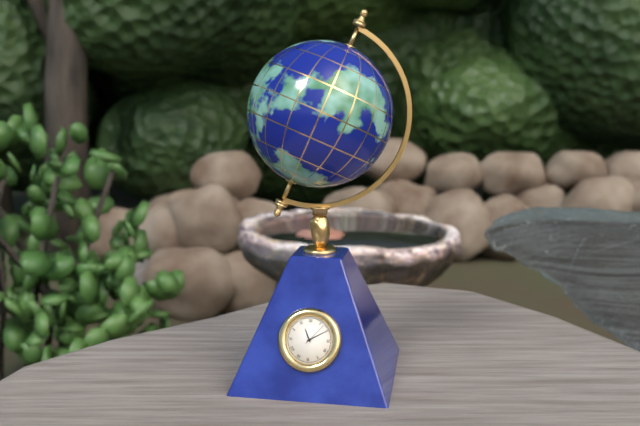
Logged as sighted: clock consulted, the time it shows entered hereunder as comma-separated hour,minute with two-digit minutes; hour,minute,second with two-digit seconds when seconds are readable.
11,10
